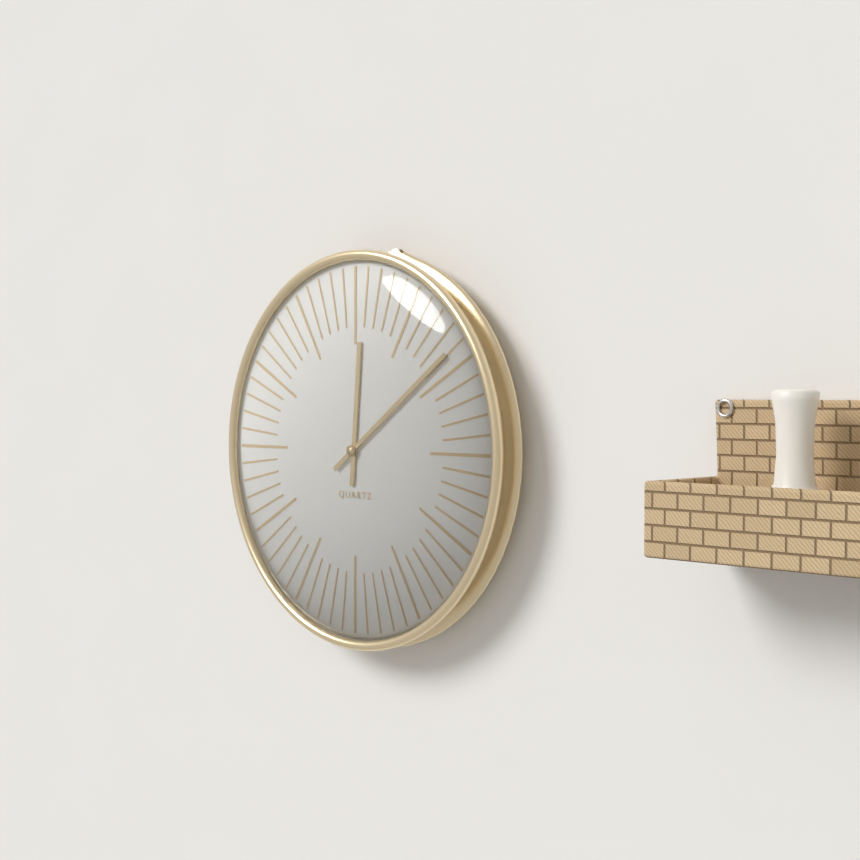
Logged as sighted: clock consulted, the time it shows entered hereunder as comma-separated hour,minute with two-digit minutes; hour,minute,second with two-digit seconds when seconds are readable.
12,09
